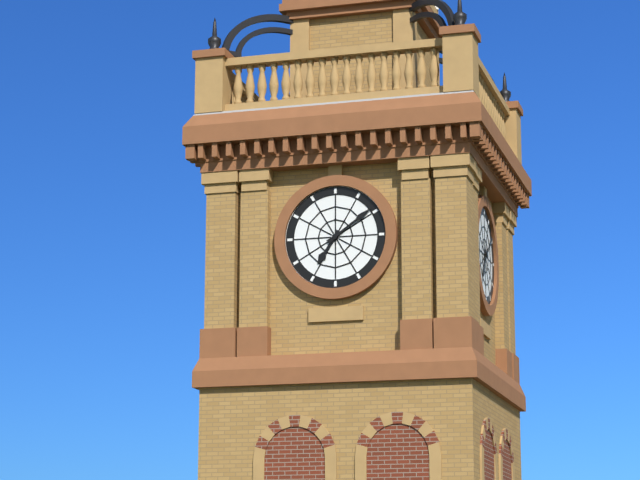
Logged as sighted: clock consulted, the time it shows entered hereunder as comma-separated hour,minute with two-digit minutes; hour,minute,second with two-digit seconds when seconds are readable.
7,09
